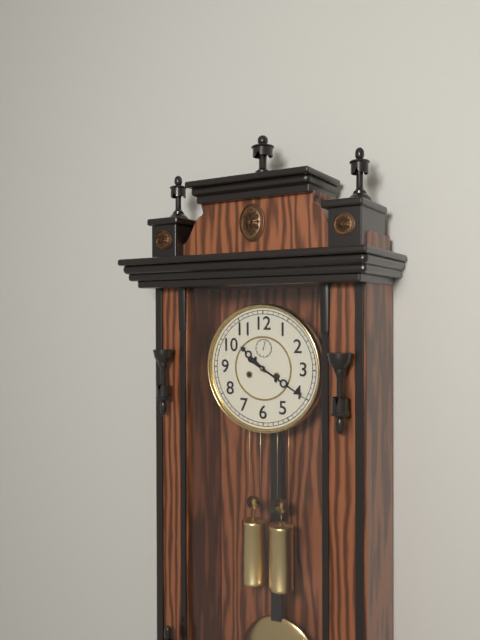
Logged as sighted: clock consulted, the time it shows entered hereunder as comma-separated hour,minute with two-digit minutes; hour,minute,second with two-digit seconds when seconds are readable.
10,20
